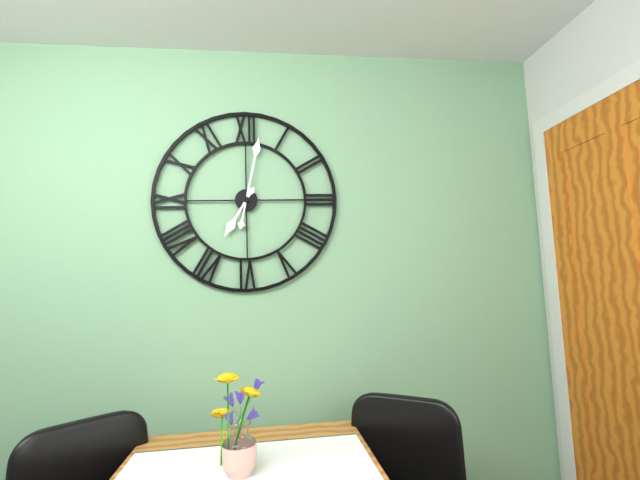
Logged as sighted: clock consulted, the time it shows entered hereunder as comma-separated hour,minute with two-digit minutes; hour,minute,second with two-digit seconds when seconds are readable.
7,02
